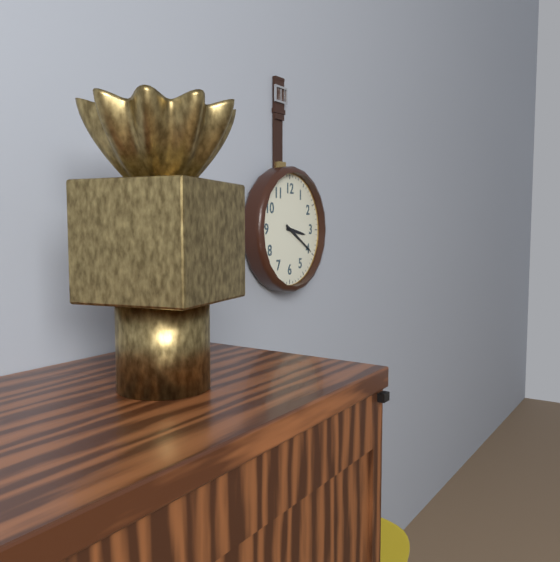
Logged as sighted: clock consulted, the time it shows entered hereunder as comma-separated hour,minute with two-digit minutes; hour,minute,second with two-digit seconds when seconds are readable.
3,20
